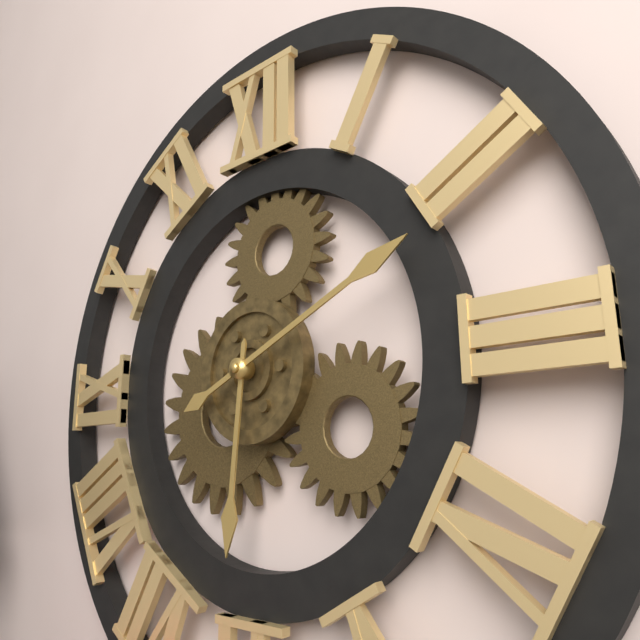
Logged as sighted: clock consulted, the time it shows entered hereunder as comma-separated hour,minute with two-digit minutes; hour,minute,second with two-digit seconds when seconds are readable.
6,11
